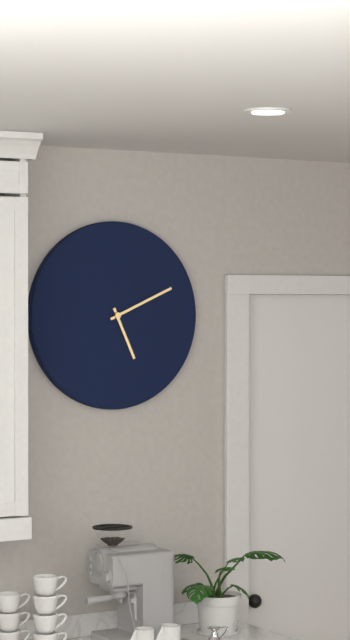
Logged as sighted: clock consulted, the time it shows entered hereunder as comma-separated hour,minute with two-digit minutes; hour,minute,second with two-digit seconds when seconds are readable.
5,11
